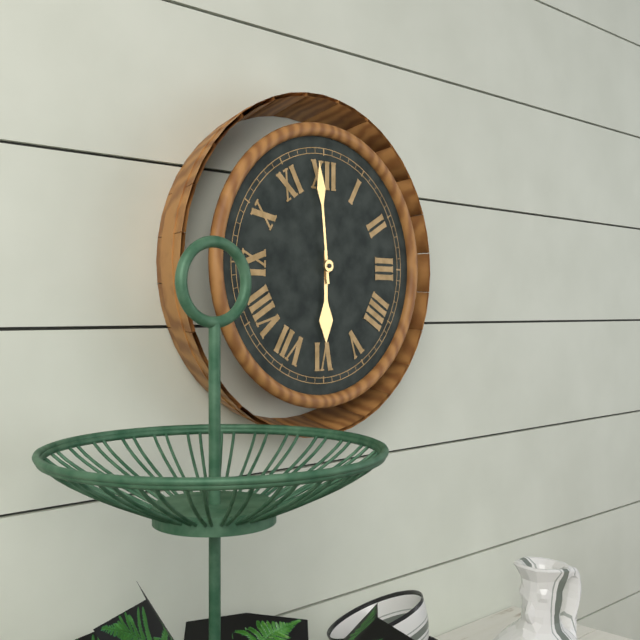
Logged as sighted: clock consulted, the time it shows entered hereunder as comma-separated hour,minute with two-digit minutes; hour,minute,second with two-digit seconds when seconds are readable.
5,59
